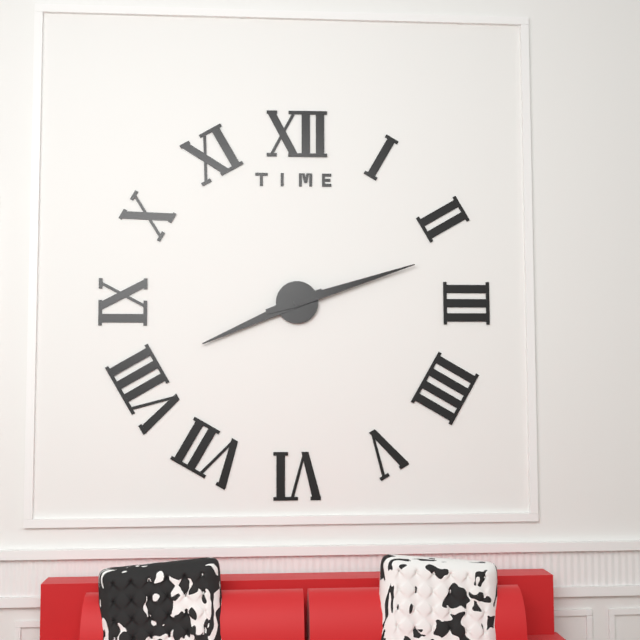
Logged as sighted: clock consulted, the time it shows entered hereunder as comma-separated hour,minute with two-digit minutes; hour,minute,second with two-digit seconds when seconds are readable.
8,12
